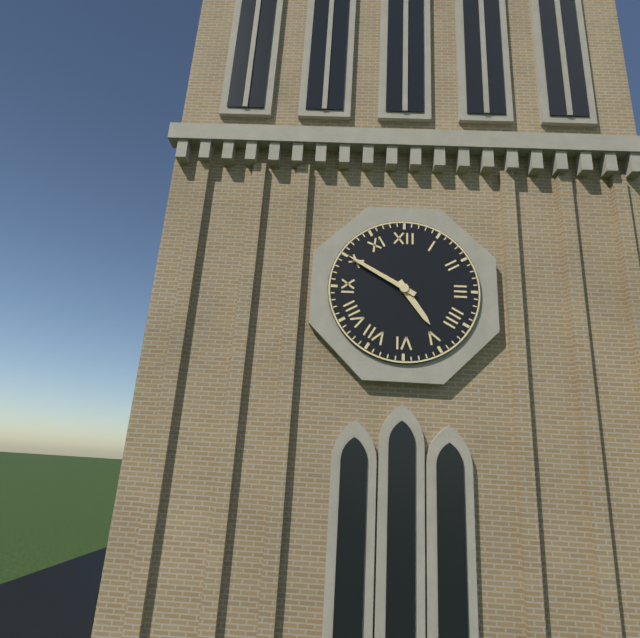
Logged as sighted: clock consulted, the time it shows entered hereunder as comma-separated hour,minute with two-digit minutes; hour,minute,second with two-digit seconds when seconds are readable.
4,50
